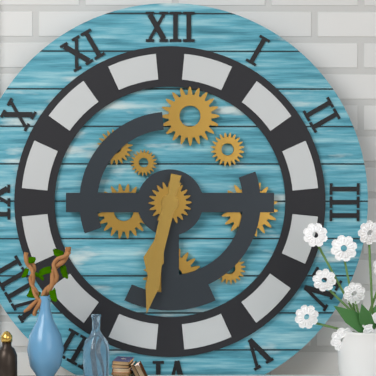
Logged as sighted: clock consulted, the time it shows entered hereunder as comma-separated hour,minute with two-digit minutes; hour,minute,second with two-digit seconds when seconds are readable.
6,32
